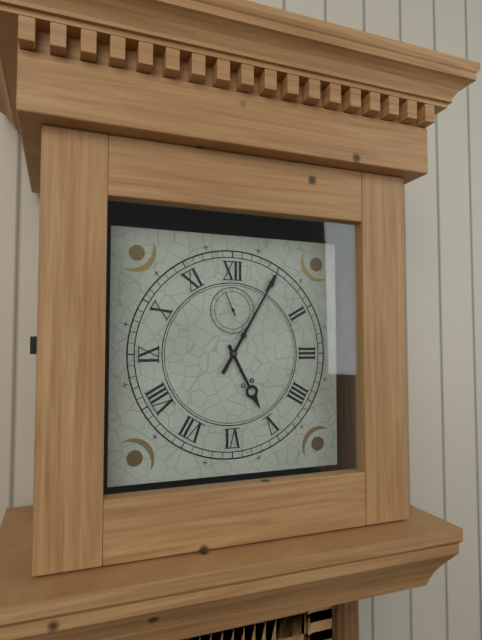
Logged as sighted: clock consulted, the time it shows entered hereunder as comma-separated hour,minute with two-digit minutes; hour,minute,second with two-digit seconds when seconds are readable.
5,05
